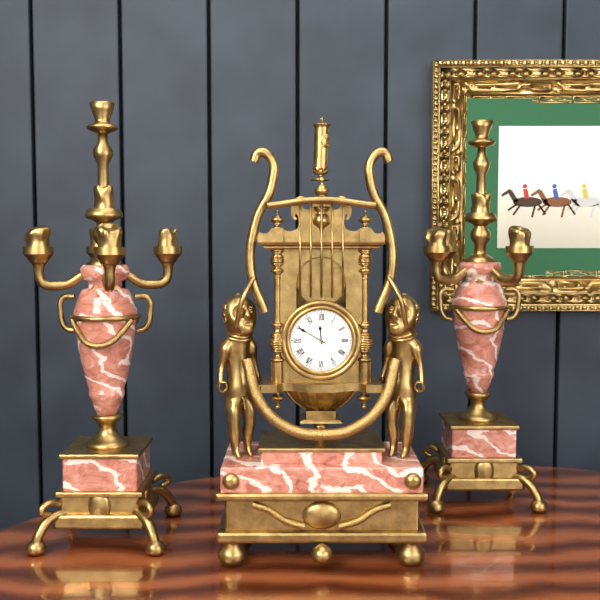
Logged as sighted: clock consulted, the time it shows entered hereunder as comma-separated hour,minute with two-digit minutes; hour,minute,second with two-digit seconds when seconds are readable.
11,50
